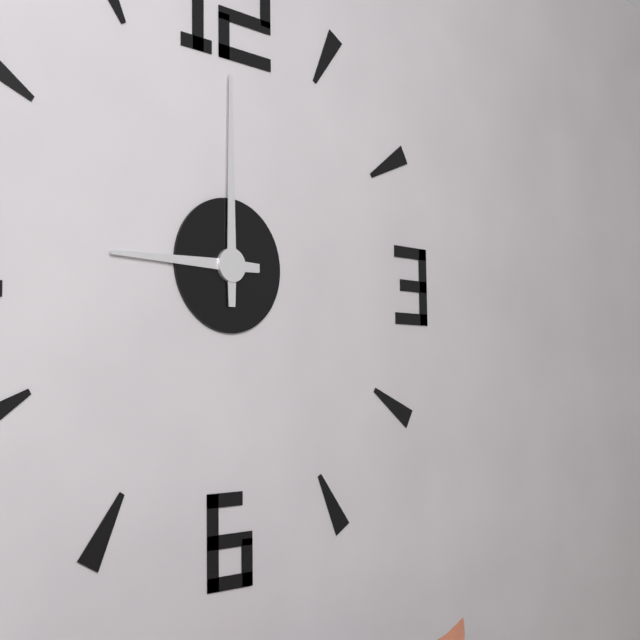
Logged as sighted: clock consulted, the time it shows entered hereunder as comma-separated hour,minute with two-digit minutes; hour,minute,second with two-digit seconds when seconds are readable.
9,00
